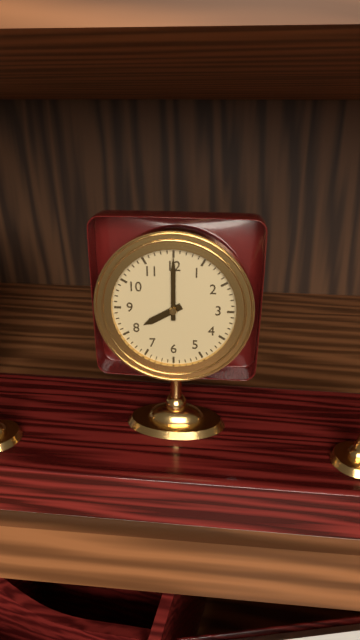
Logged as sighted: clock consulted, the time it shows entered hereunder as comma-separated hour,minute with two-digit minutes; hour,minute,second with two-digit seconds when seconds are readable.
8,00
